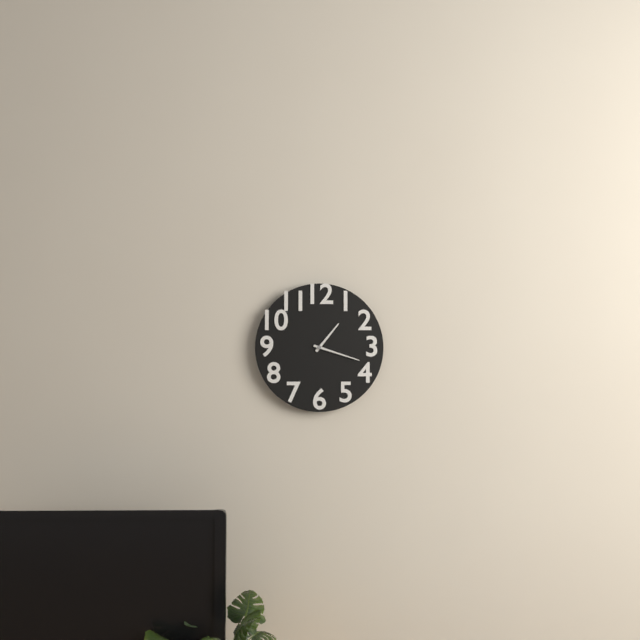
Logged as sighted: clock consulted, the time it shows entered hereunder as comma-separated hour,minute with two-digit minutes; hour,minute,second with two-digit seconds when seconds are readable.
1,18
